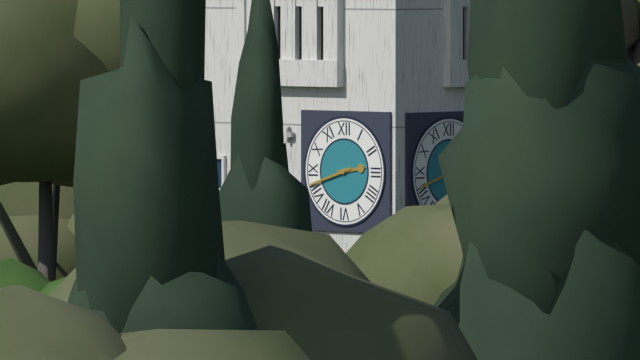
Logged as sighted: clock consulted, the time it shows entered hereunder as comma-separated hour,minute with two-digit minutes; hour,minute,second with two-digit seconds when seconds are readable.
2,42
